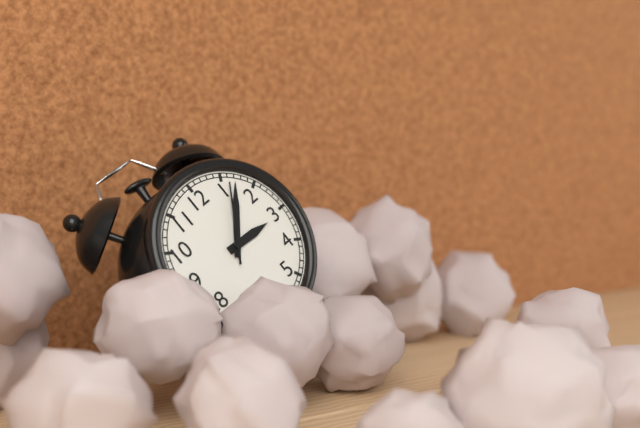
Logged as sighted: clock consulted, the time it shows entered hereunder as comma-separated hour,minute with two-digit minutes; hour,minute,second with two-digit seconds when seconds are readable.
3,07,06
